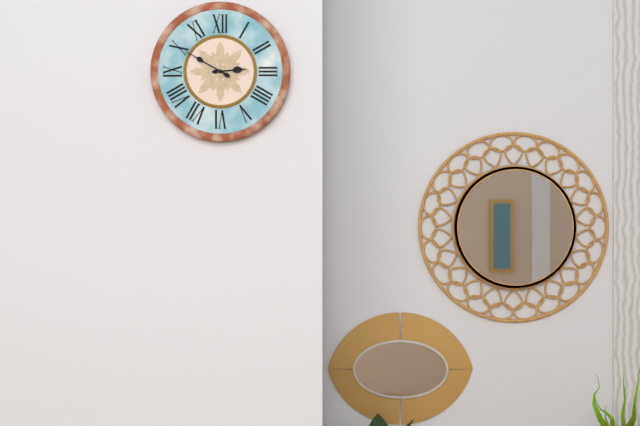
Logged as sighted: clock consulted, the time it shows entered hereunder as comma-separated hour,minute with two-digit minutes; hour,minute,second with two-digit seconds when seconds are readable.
2,50
